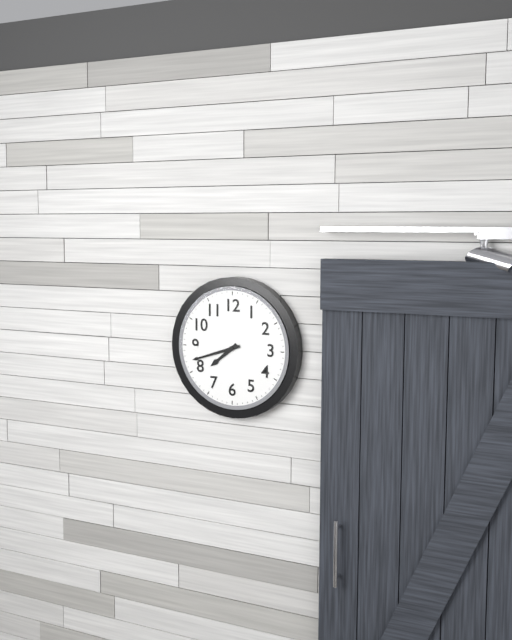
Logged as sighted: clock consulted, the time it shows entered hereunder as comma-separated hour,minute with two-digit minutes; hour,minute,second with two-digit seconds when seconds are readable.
7,42
